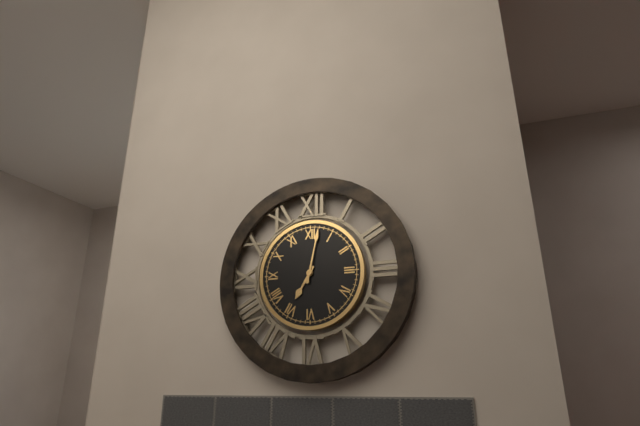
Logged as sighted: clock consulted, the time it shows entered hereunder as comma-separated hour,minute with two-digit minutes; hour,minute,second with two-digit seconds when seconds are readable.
7,02
